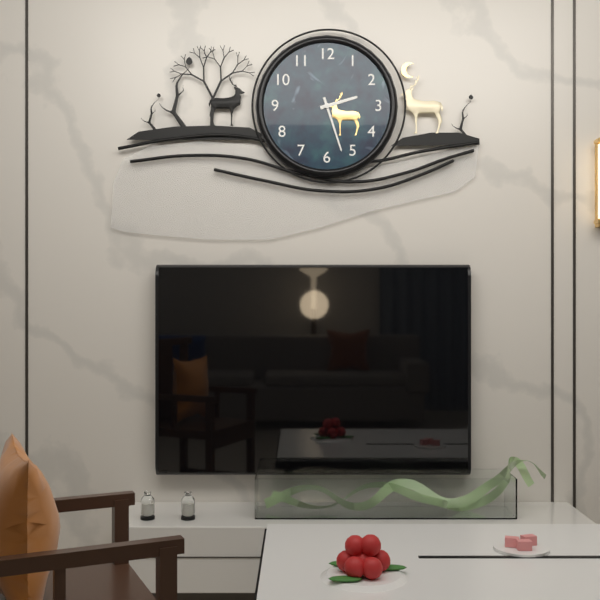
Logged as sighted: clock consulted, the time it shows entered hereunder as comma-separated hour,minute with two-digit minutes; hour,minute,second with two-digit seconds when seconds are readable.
2,27
